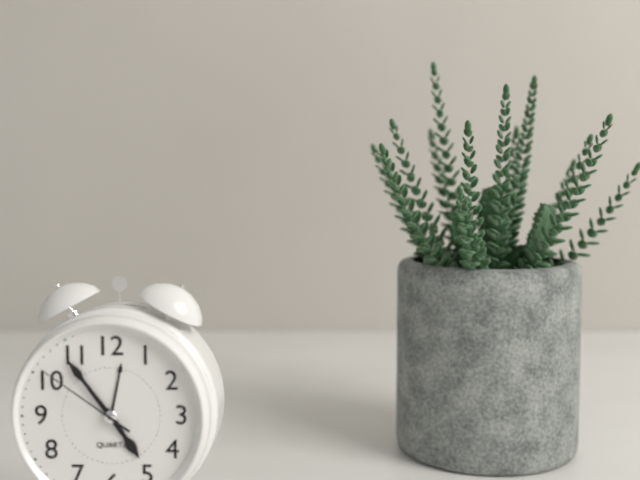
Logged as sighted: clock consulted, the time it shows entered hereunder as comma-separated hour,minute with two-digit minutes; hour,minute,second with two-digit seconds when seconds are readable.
4,54,51
